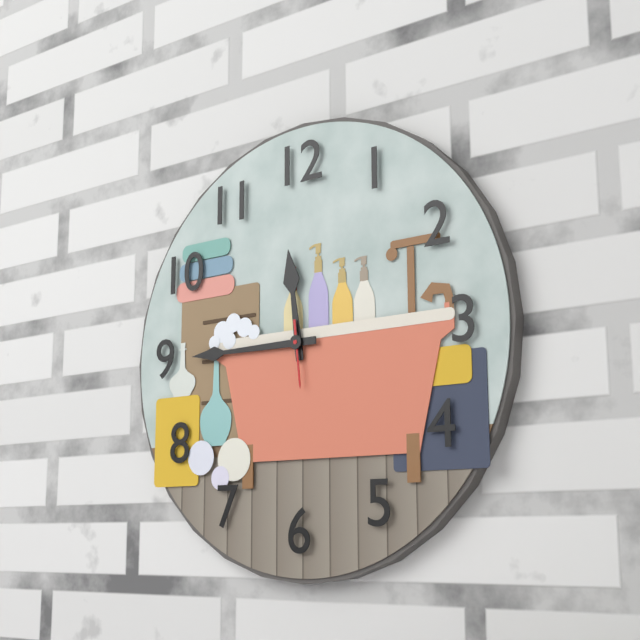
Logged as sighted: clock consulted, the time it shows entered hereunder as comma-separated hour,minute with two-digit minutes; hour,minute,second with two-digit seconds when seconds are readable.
11,45,29
